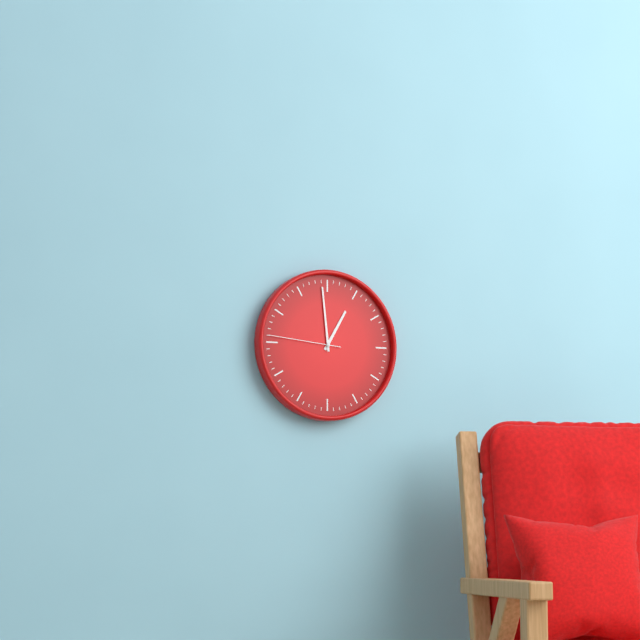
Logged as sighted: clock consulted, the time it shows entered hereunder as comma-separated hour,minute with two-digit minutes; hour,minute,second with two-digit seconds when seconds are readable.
12,59,46
